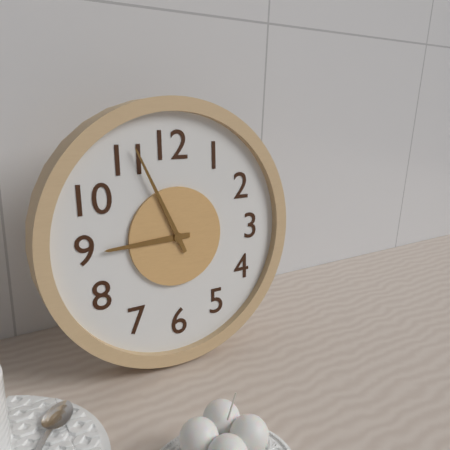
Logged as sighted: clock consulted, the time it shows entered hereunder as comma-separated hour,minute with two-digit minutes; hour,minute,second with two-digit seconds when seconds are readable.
8,56
